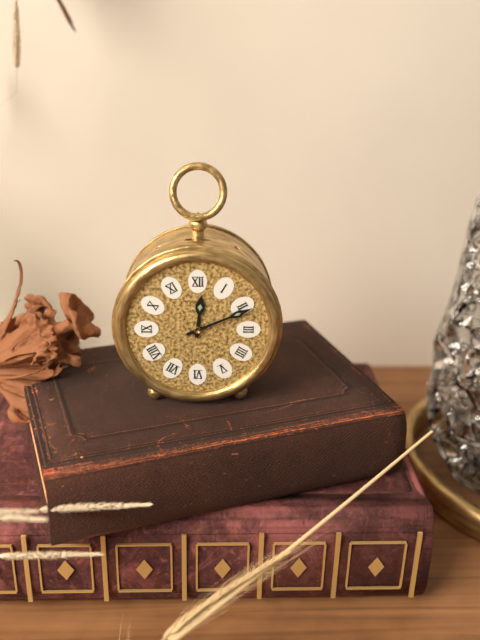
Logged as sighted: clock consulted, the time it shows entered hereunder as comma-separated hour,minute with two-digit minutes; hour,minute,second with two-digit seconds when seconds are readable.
12,11
